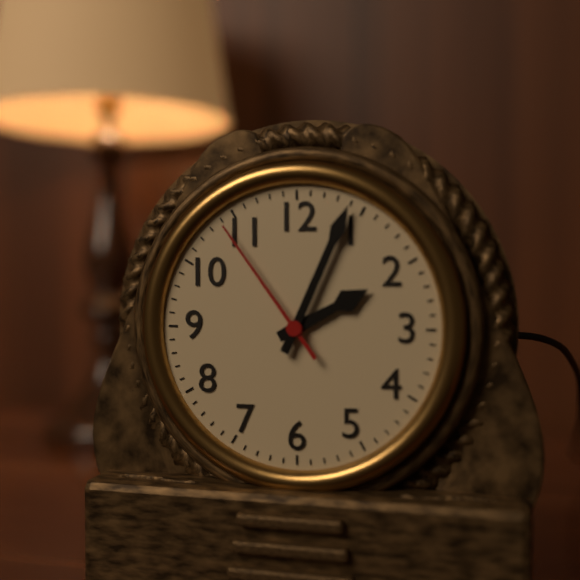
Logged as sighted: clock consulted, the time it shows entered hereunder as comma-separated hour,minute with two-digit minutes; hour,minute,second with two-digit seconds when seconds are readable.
2,04,54
